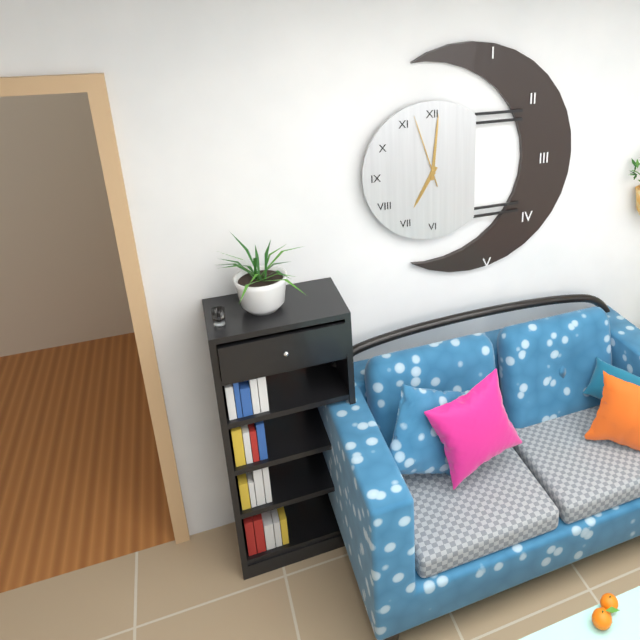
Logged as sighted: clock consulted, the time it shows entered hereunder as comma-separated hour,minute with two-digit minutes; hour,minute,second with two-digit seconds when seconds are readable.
7,01,57
